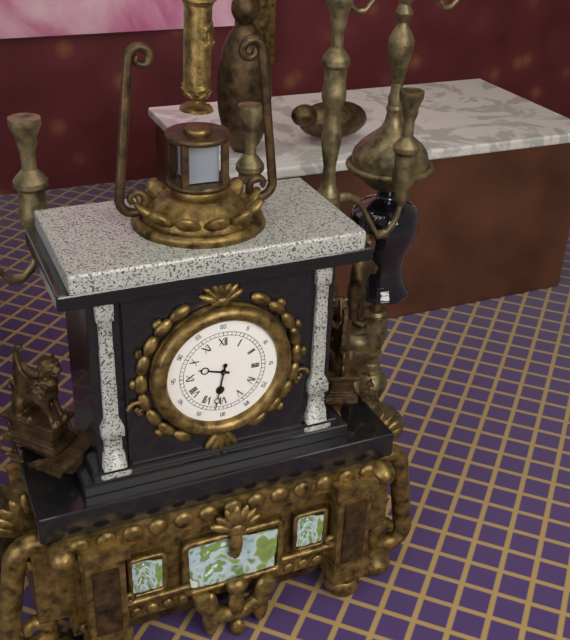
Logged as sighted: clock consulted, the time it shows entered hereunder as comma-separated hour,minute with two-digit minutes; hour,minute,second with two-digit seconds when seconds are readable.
9,32
